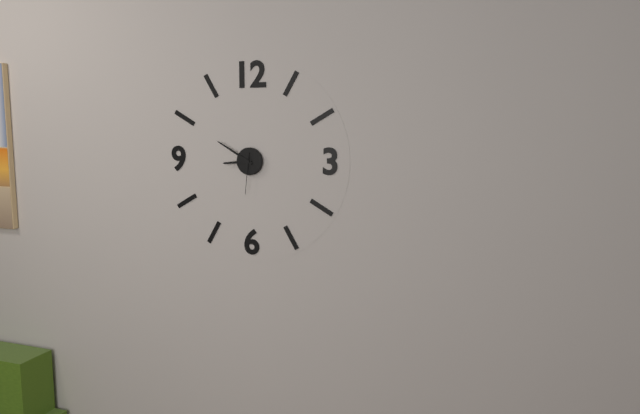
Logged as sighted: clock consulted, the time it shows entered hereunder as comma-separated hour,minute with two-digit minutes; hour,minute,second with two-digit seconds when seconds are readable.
8,50
